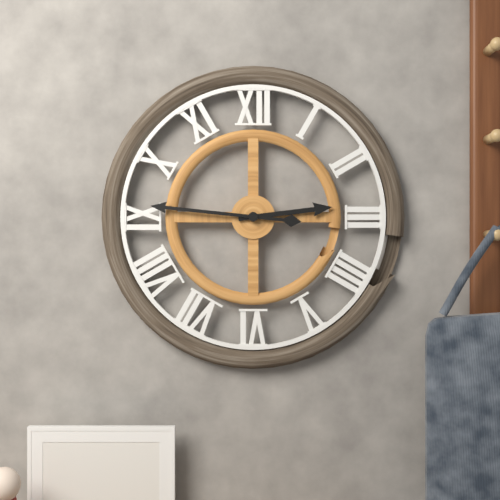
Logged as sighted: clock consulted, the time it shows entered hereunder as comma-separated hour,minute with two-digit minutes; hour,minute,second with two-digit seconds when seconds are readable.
2,46
